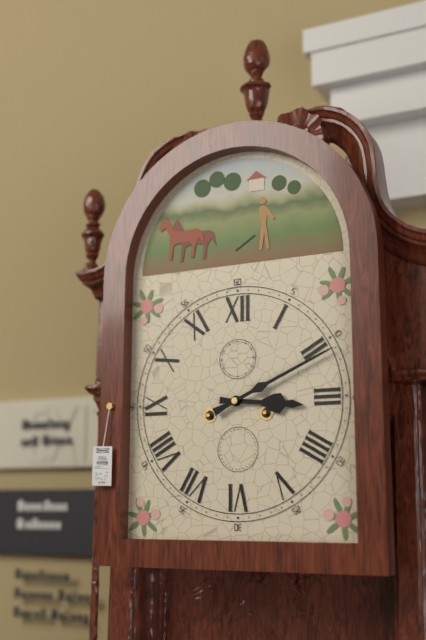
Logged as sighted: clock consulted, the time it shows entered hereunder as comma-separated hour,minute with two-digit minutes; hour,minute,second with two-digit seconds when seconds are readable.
3,11
